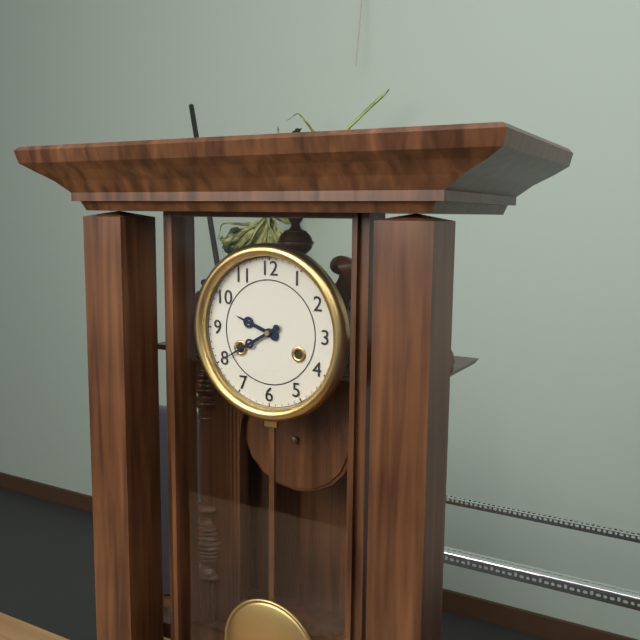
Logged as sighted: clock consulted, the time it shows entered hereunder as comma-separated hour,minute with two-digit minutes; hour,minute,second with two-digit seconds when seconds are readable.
9,40
